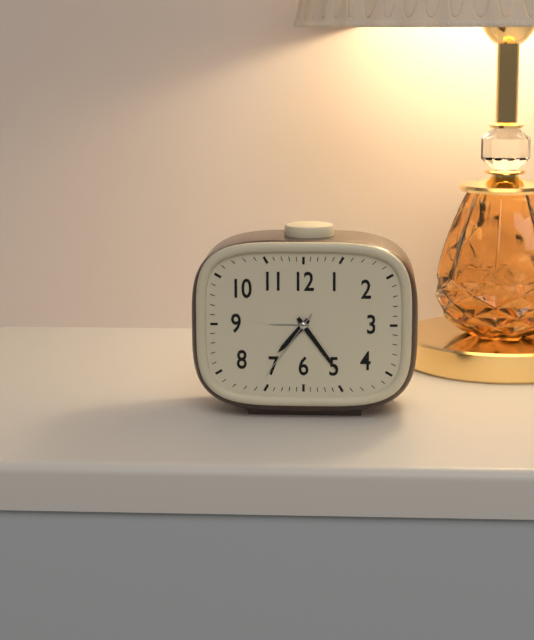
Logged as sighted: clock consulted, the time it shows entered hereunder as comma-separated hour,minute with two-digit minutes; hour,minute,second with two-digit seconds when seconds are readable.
7,24,36
